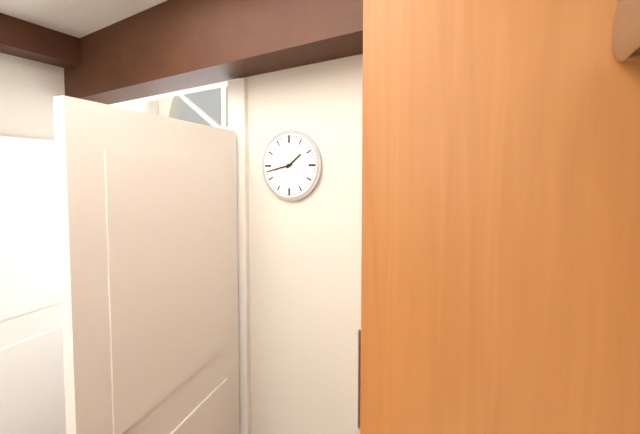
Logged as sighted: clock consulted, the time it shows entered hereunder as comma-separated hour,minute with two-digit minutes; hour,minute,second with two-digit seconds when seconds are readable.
1,43
